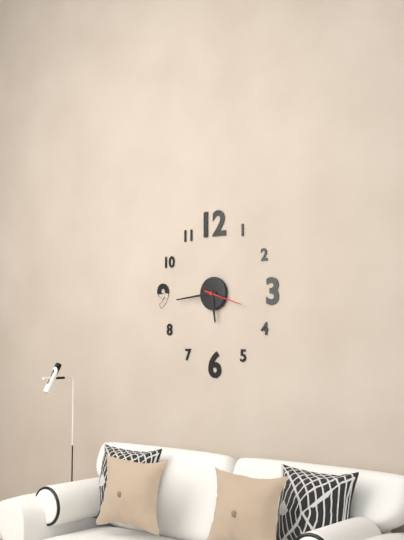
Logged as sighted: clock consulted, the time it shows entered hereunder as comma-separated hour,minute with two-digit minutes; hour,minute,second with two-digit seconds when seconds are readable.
5,44
